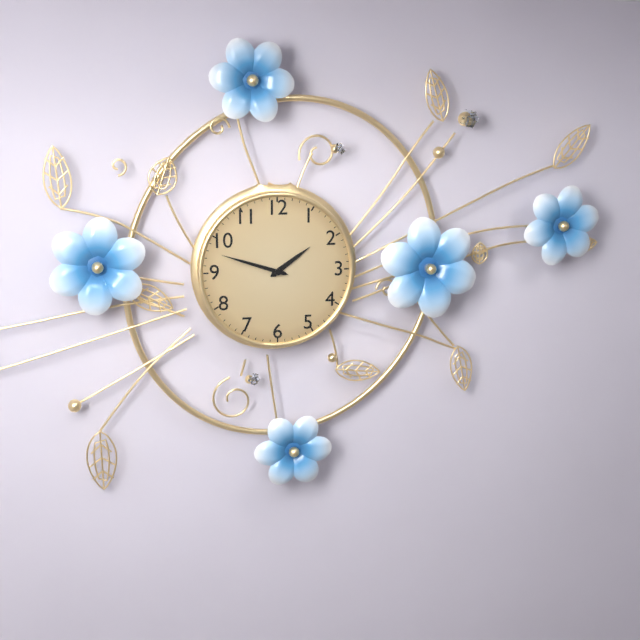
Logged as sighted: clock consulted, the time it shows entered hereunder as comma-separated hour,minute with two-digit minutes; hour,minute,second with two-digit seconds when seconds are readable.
1,48
